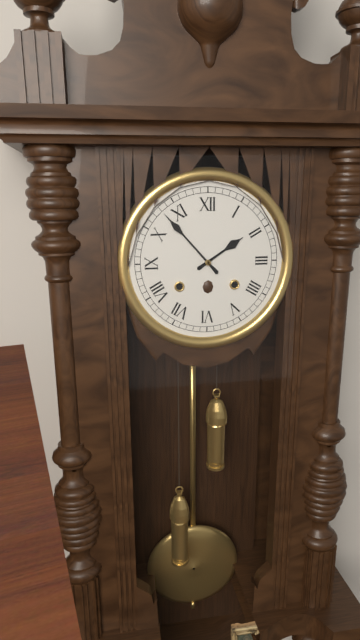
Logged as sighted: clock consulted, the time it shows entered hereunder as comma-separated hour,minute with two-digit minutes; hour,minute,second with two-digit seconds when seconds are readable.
1,53
